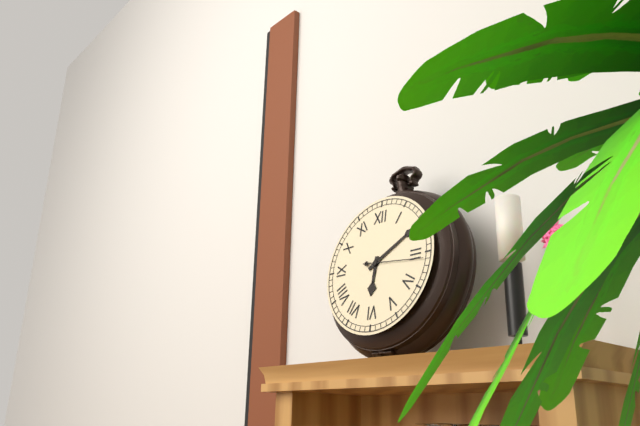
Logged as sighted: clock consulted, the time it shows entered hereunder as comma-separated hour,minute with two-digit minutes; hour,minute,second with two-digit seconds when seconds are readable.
6,10,16
